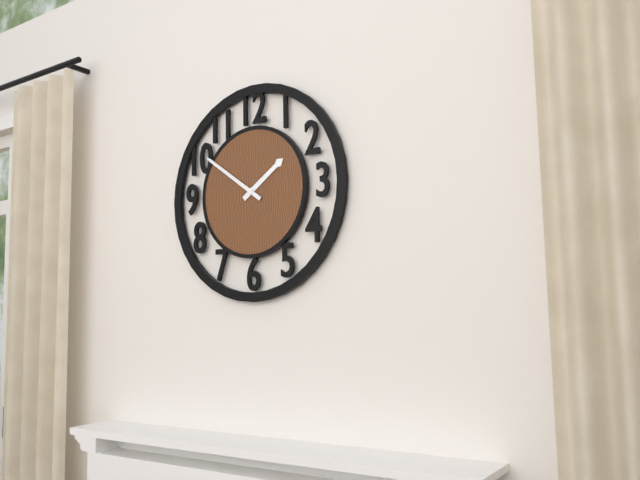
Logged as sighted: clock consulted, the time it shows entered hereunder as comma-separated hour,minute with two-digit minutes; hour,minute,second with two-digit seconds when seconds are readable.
1,51
